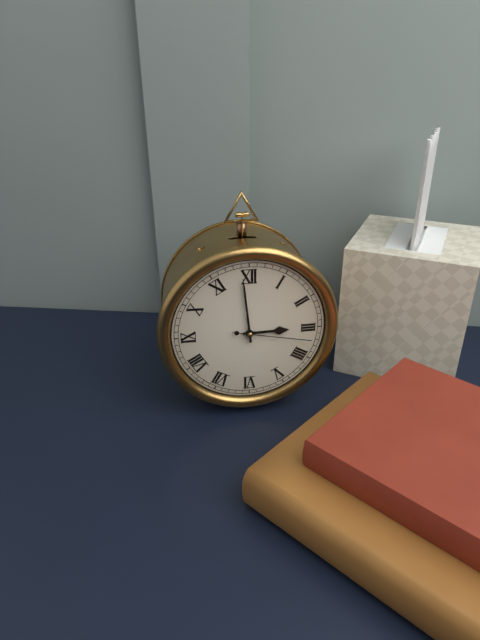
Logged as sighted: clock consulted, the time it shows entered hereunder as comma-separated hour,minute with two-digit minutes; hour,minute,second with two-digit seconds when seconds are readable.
2,59,17
